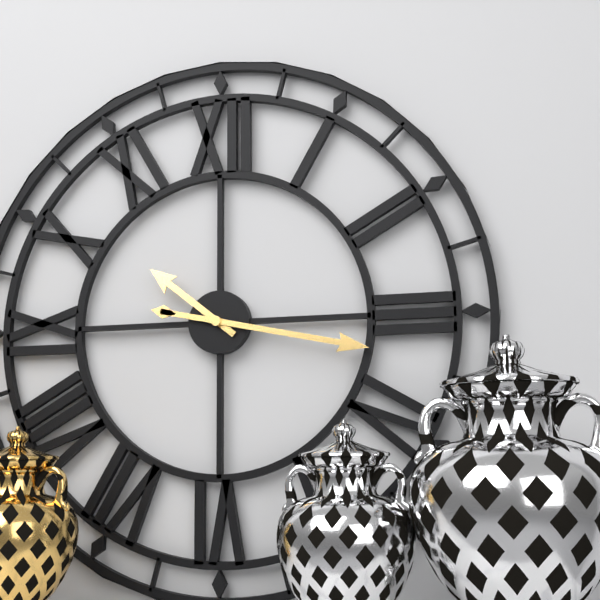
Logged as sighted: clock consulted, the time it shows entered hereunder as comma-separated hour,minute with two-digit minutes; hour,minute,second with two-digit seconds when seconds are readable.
10,17
